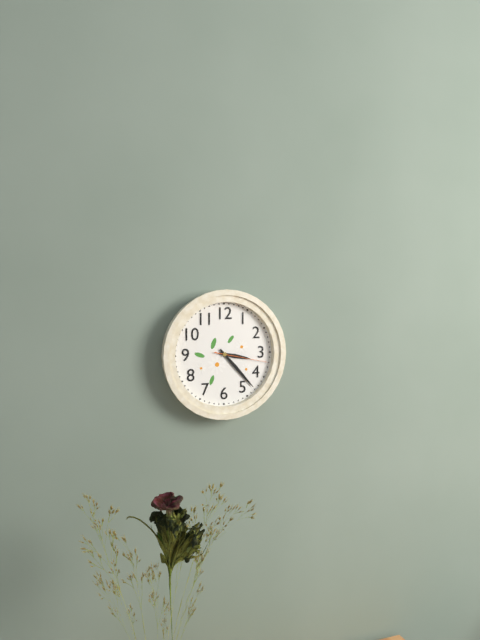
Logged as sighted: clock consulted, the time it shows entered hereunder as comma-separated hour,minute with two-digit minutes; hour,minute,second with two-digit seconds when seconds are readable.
3,23,17
